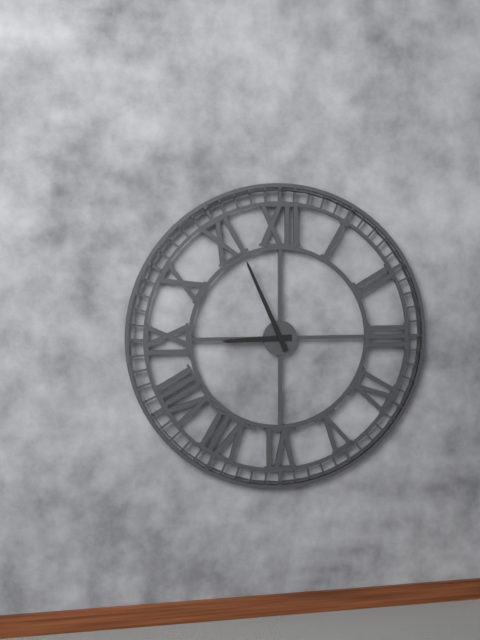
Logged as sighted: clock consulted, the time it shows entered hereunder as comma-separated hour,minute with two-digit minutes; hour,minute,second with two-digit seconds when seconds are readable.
8,56
